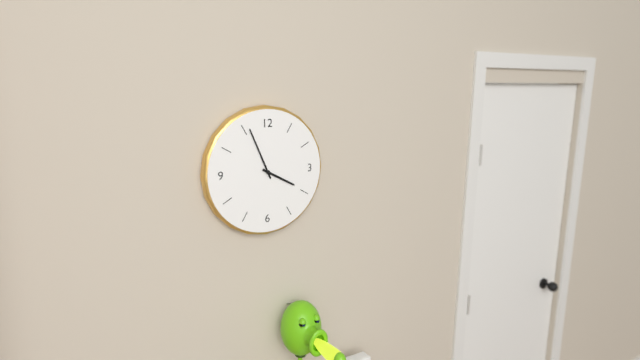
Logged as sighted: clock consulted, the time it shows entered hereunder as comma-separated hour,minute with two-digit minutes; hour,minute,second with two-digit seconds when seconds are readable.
3,56
